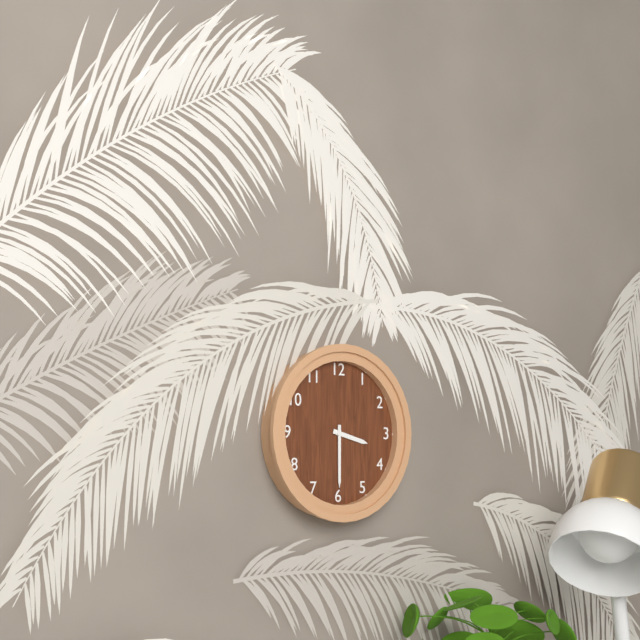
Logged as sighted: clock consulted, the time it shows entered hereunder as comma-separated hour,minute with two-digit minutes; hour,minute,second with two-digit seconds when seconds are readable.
3,30
